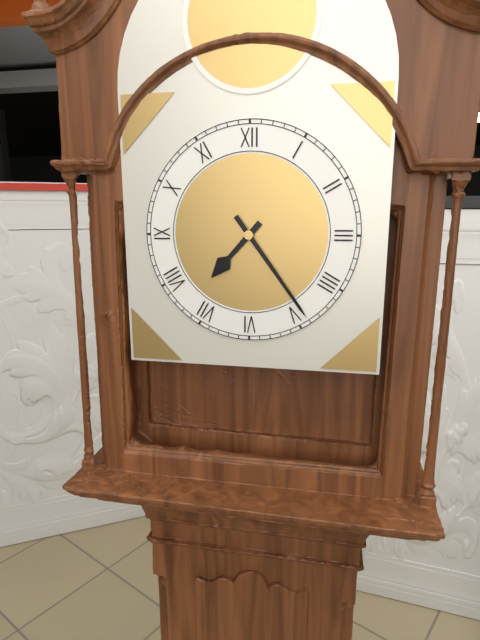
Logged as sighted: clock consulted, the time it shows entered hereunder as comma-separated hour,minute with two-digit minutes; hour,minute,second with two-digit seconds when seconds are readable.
7,24
